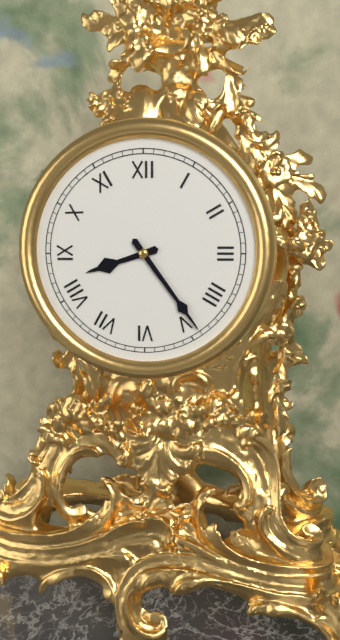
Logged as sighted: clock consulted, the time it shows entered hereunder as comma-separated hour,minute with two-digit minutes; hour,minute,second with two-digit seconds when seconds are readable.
8,24
